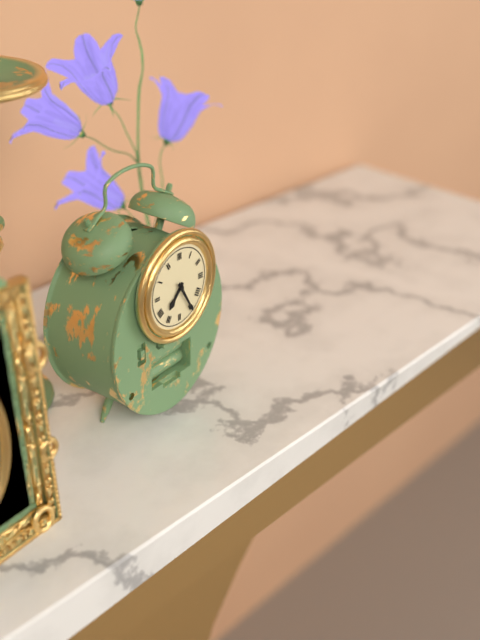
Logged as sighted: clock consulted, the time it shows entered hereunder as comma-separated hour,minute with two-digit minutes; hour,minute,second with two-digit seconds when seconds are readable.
7,25
